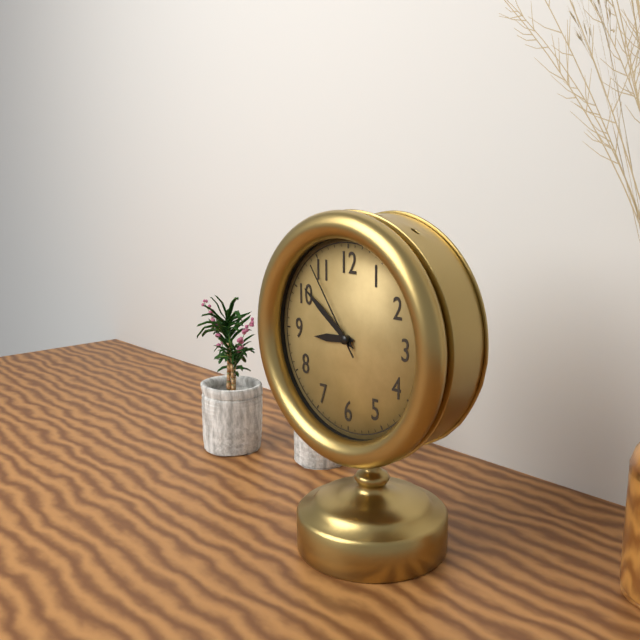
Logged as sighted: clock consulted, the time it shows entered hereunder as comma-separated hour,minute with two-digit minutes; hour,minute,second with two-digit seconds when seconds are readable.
8,51,54
